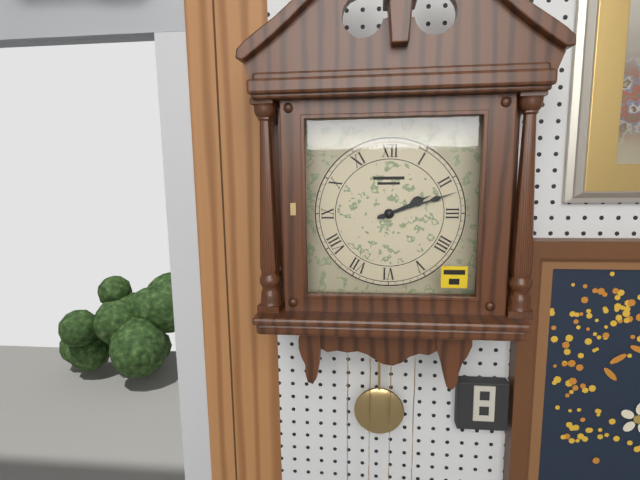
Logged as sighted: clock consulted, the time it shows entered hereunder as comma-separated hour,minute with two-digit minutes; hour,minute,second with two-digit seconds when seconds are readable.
2,12
